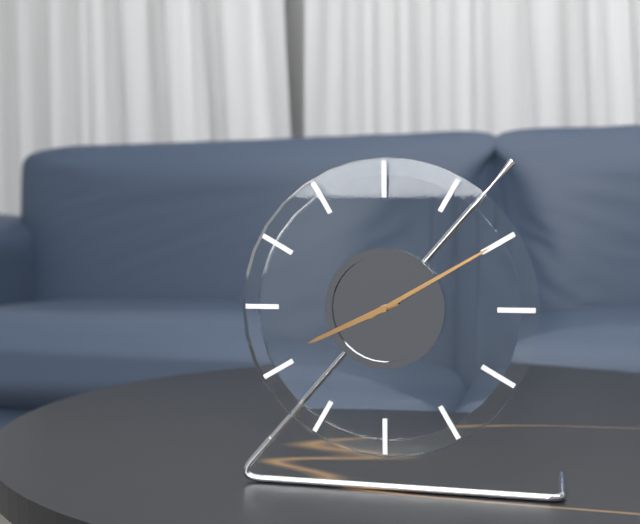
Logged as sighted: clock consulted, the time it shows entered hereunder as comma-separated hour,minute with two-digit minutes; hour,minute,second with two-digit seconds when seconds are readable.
8,10
